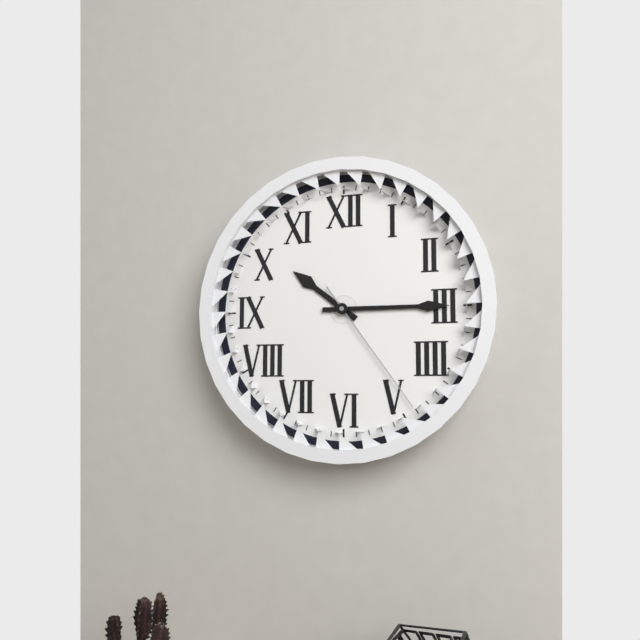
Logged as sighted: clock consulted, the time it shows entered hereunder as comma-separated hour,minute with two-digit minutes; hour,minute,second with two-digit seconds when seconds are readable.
10,15,24
